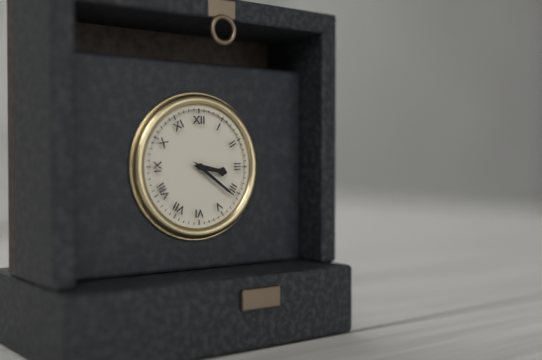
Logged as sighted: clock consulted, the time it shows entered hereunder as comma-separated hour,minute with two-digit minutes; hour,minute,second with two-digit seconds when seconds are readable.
3,21
